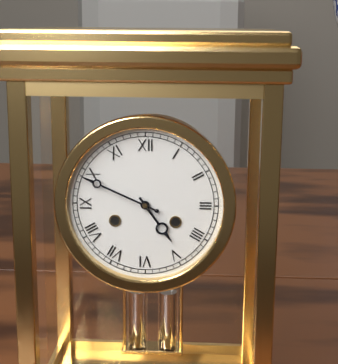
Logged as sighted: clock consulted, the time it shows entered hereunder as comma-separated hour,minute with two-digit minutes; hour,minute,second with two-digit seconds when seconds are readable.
4,49
